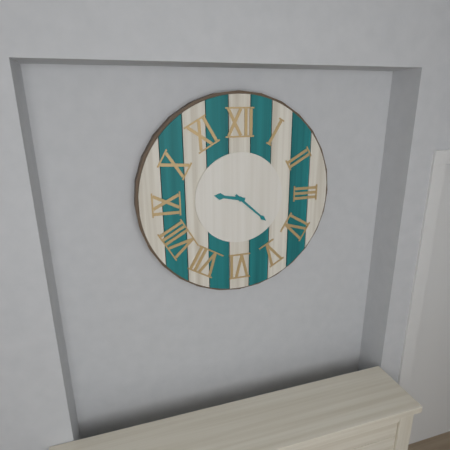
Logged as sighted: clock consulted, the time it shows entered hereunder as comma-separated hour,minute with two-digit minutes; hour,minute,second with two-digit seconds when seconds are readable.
9,22
